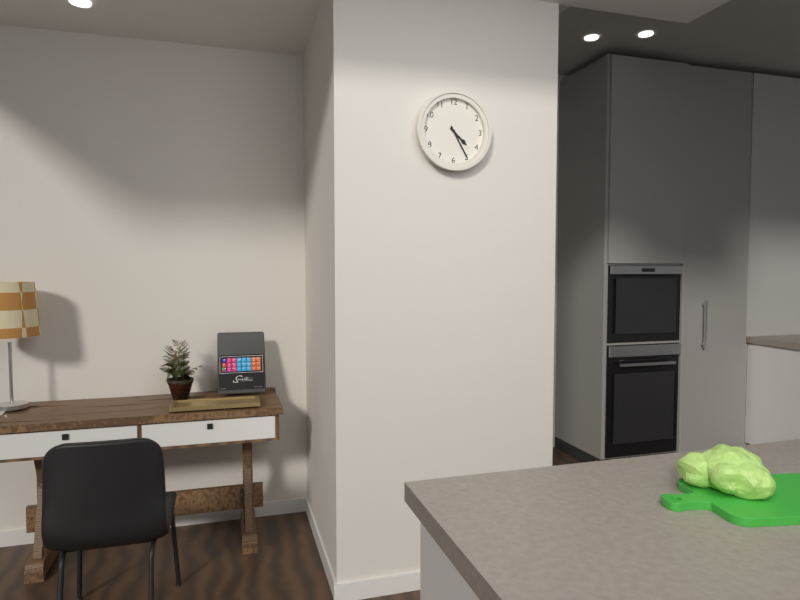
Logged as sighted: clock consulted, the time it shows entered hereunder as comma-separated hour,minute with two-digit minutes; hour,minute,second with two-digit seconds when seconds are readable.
4,25
